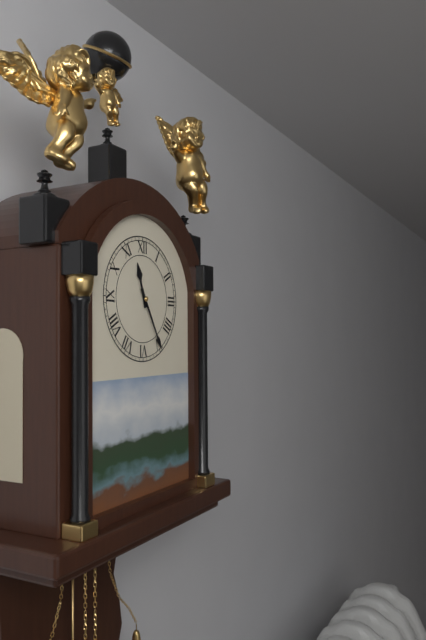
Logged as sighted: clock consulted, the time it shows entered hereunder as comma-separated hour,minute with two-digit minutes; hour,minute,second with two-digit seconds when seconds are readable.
11,25
